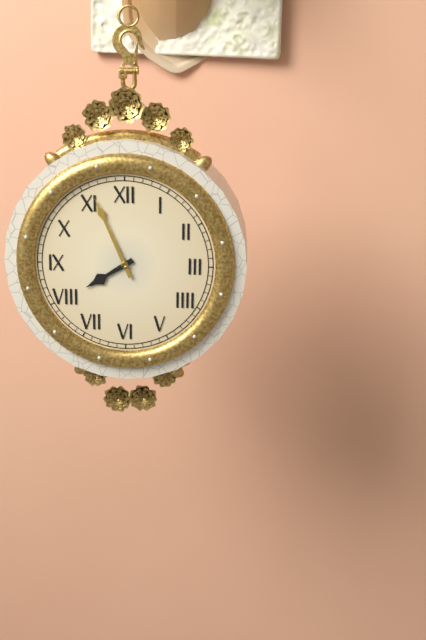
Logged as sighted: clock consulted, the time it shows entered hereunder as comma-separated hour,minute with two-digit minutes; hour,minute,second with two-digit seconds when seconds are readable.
7,56
